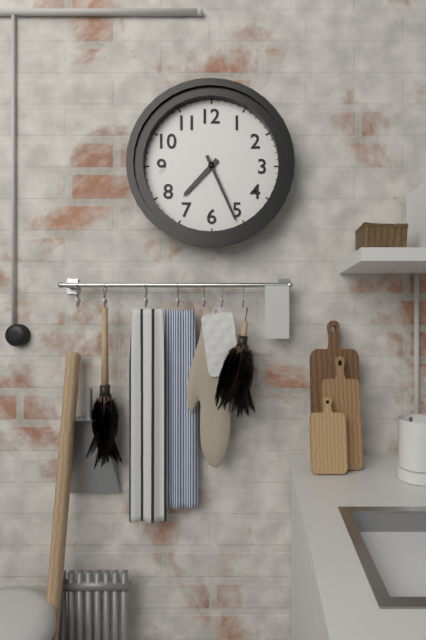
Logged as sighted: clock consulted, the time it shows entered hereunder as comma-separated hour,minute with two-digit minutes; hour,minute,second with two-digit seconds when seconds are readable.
7,26
